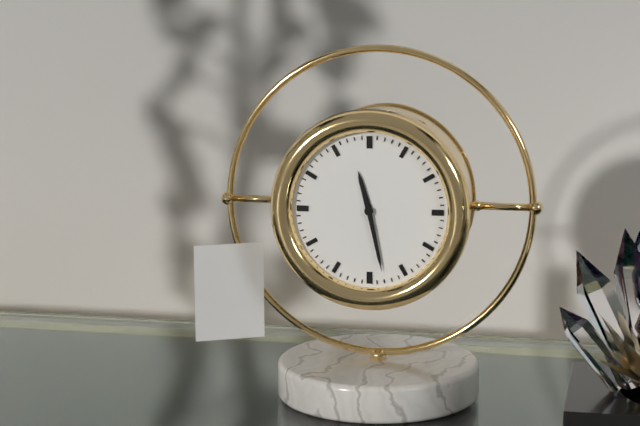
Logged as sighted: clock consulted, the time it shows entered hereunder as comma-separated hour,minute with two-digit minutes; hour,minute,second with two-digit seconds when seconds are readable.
11,28
